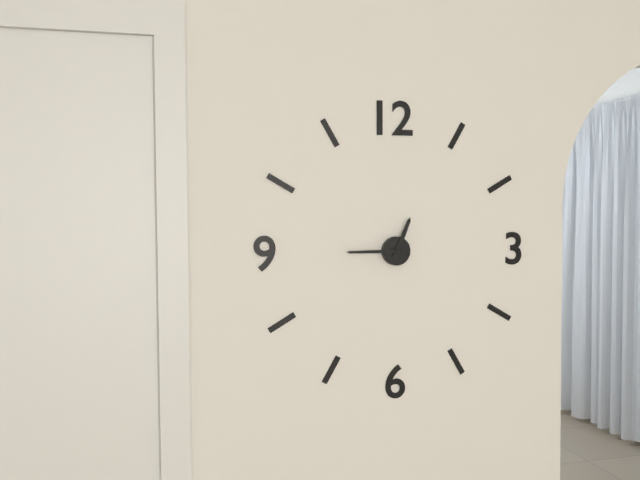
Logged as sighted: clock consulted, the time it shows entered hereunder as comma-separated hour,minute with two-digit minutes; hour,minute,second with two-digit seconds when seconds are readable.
12,45
